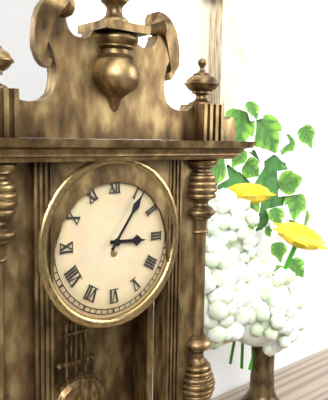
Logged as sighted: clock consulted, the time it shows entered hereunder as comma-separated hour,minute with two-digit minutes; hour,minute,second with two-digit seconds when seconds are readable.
3,06
